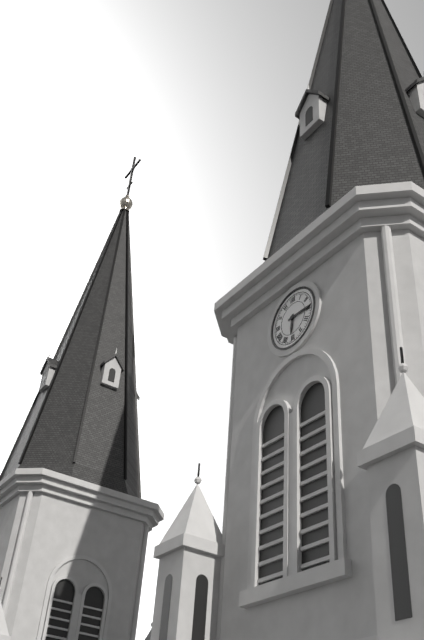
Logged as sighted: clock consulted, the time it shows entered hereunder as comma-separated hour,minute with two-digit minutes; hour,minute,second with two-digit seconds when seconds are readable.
6,15
